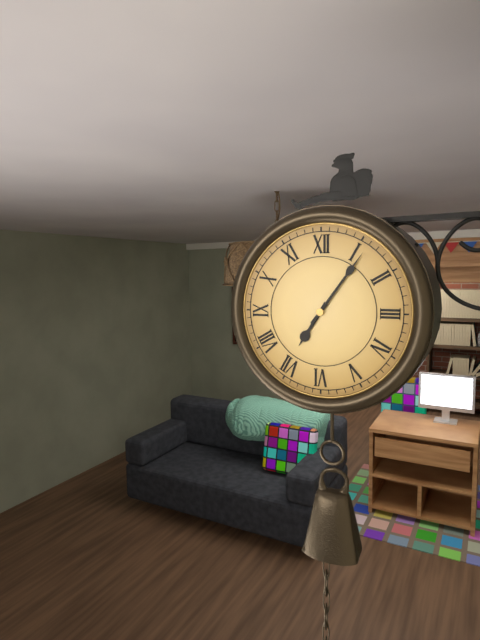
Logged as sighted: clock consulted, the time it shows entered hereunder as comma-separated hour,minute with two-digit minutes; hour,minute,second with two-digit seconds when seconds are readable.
7,06
